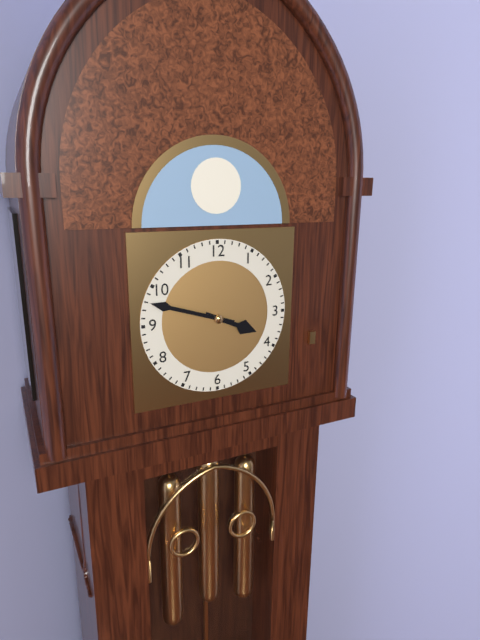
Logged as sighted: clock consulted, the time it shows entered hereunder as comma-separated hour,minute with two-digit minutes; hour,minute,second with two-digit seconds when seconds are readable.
3,48
